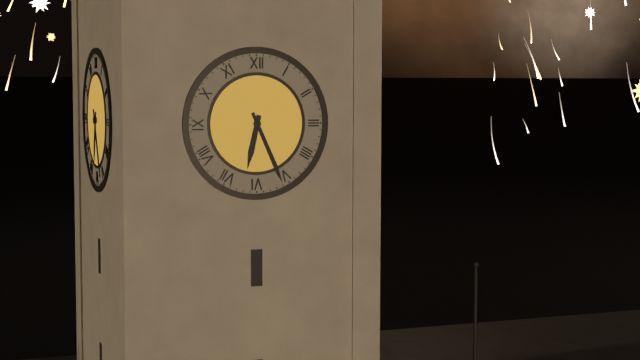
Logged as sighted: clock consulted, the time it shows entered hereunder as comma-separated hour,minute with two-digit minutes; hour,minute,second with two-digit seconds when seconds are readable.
6,26
